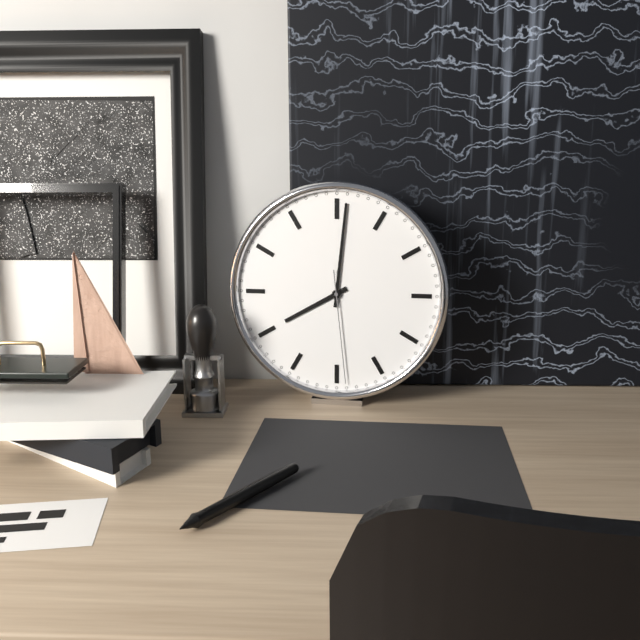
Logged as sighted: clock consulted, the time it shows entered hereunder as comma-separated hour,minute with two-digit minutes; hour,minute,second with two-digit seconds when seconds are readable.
8,01,29
